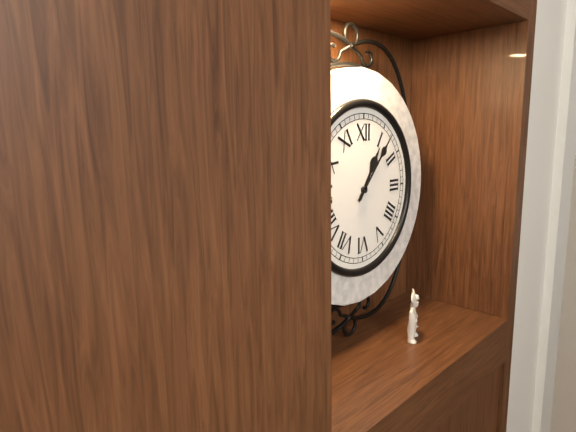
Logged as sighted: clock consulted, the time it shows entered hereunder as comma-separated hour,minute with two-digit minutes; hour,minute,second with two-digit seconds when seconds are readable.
1,07
